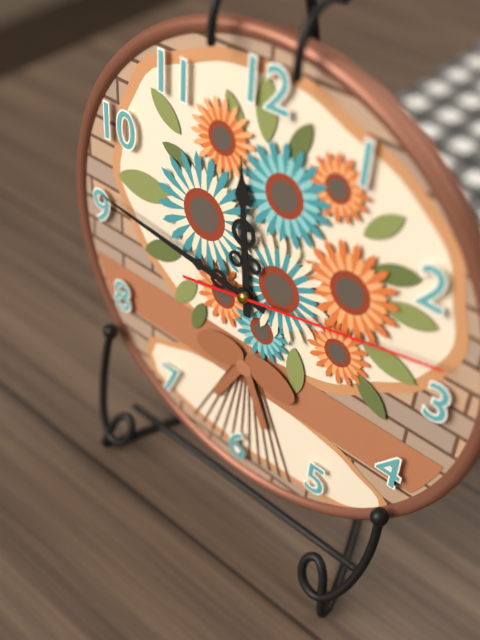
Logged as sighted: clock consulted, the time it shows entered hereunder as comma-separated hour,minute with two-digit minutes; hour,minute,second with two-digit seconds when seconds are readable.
11,46,13
